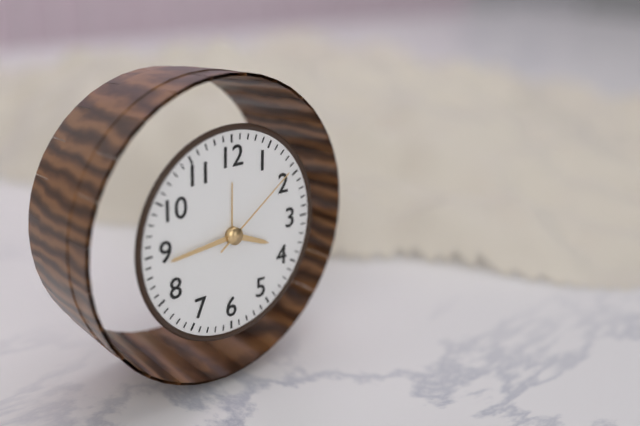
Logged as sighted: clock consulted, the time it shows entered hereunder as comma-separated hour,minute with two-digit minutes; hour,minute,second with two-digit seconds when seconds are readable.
3,44,09
